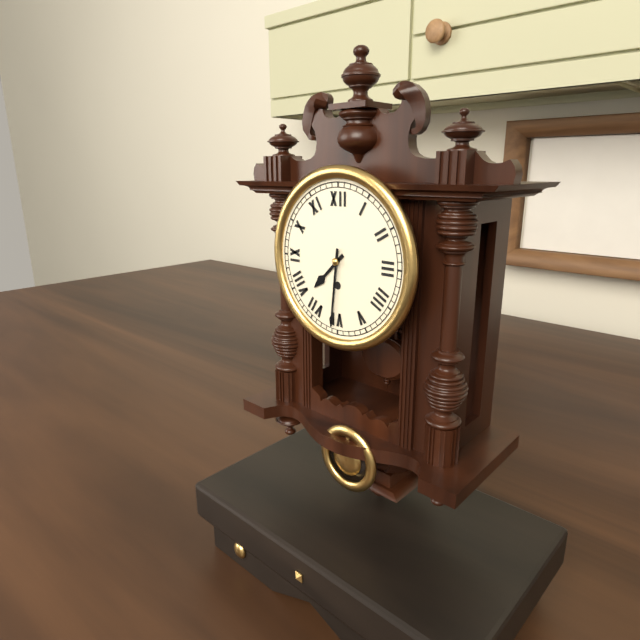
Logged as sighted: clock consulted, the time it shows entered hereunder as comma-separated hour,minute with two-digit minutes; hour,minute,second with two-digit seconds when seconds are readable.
7,31
